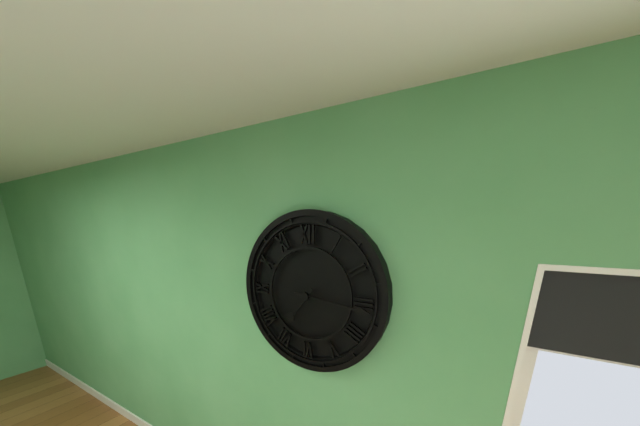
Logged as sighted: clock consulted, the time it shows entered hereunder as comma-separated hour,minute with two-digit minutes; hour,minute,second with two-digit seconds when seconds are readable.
7,16
